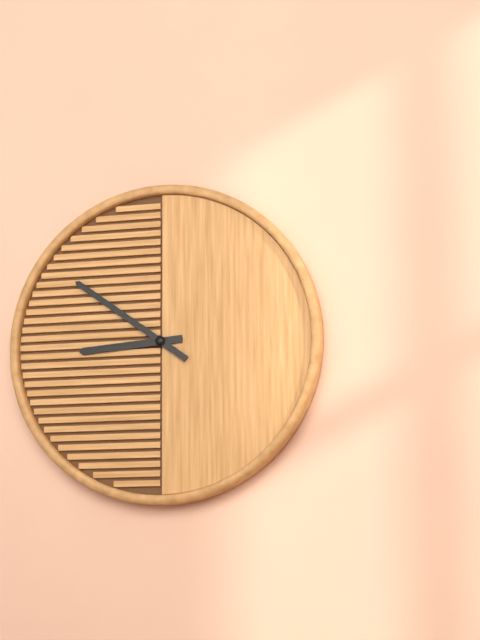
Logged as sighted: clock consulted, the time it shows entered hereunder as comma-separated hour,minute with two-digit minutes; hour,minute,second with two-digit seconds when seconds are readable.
8,51
